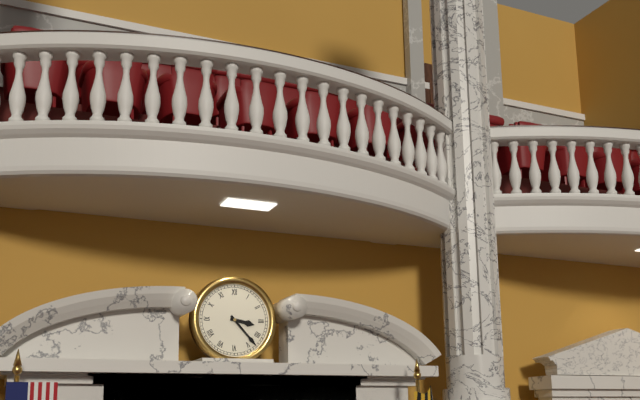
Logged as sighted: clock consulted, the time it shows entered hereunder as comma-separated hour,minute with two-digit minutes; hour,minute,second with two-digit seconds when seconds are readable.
3,23
